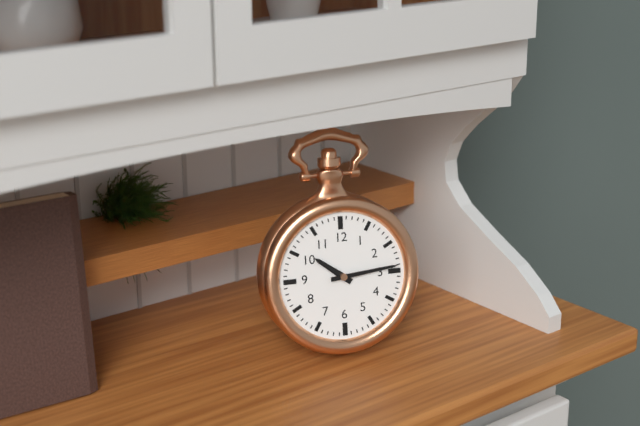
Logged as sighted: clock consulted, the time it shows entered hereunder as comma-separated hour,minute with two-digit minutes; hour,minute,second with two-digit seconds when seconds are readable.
10,14
